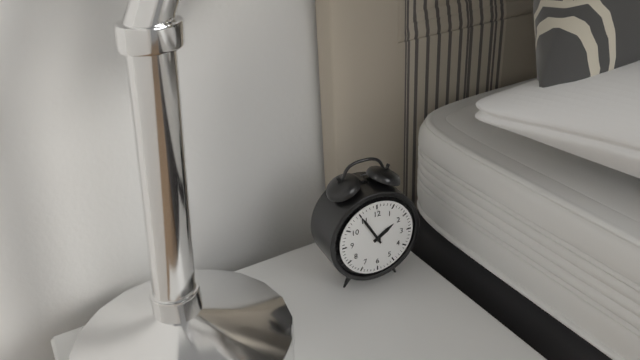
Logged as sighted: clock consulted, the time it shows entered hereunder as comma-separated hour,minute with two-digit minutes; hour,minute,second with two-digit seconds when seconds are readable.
1,55
